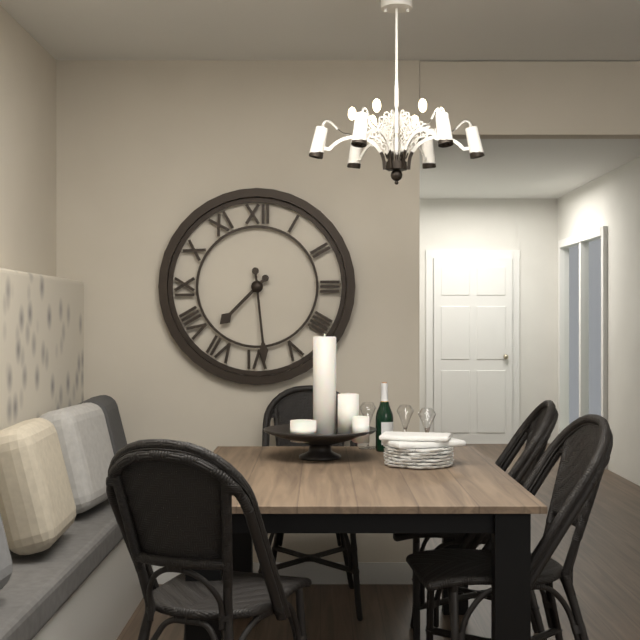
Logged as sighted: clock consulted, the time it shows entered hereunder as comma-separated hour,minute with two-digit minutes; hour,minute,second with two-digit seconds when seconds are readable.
7,29
